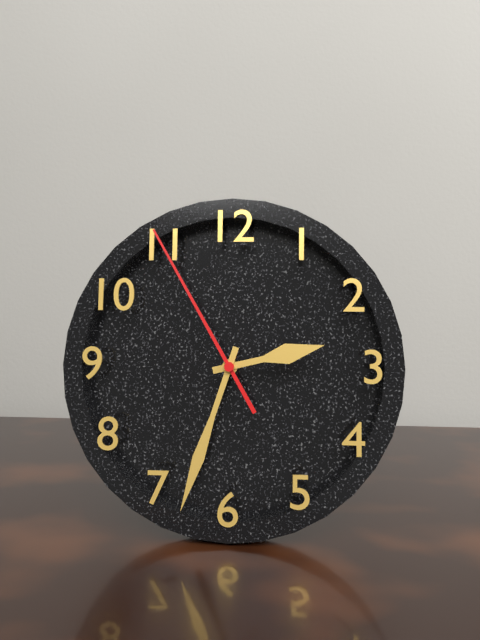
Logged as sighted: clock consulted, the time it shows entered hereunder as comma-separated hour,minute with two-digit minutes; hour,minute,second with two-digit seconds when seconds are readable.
2,33,55
